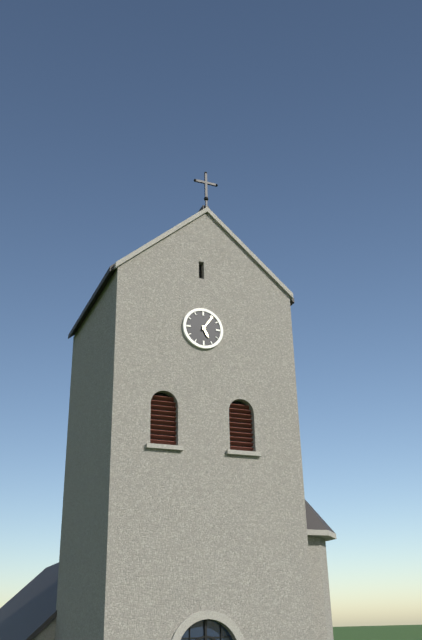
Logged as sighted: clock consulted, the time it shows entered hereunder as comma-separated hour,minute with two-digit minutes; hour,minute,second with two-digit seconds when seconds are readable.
5,06
